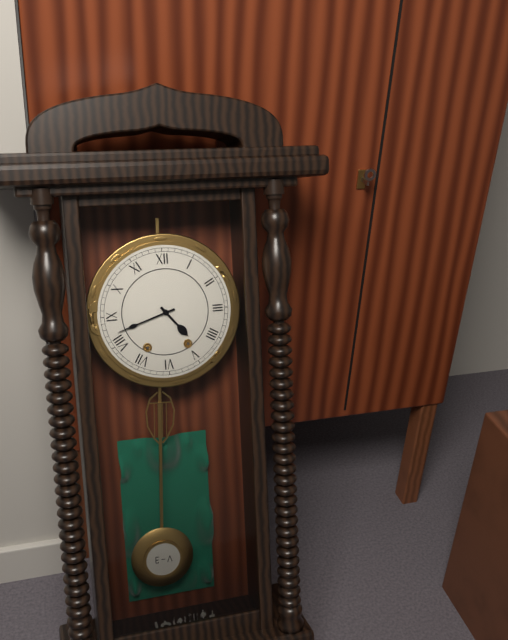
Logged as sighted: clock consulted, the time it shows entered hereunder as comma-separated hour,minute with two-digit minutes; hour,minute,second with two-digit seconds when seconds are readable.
4,42
